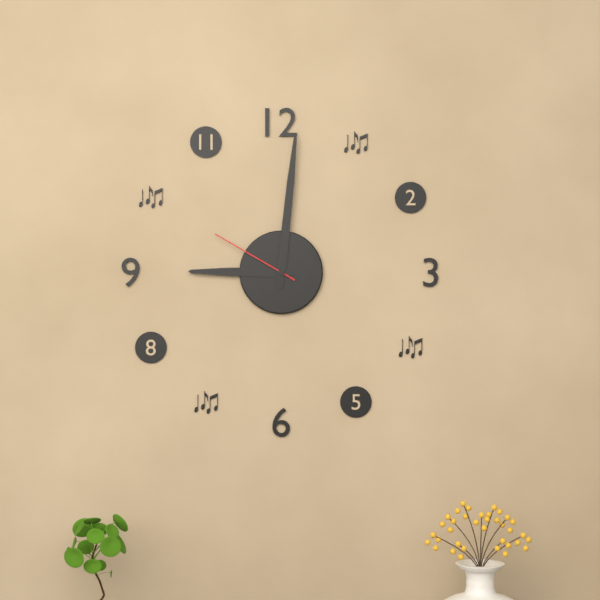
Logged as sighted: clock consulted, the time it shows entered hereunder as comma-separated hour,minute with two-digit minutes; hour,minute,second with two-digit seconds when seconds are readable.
9,01,50
